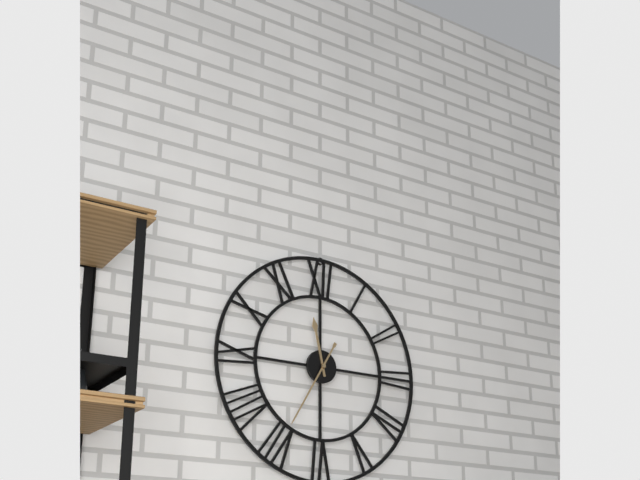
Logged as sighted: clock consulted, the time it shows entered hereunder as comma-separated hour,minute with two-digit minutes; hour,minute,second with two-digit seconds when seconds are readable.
11,35
